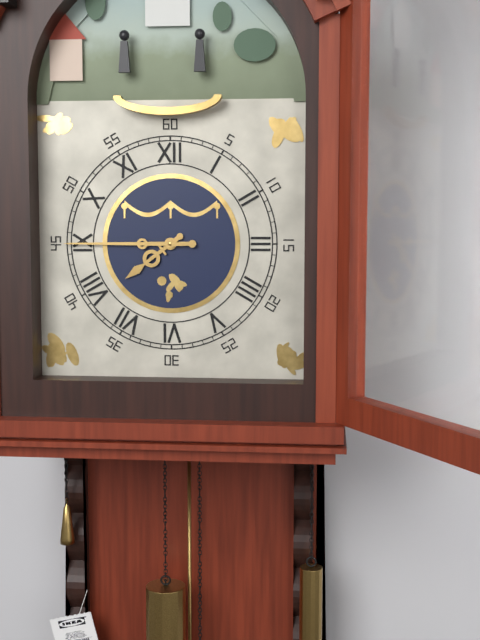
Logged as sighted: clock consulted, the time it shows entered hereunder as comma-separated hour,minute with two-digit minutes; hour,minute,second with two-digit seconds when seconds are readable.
7,45
